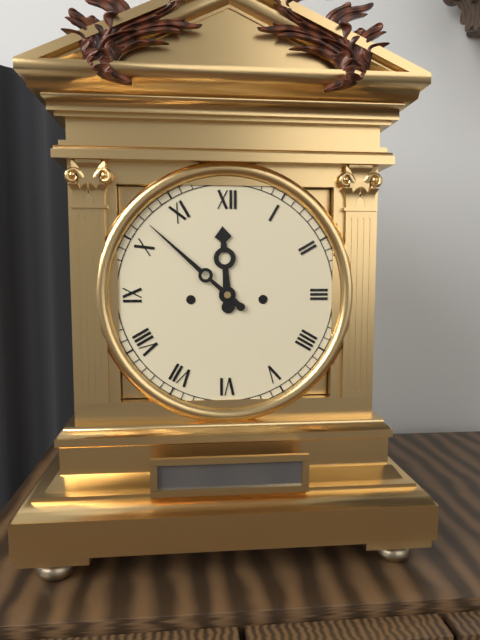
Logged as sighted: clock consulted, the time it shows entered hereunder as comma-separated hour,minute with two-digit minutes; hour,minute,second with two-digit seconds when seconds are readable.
11,52
